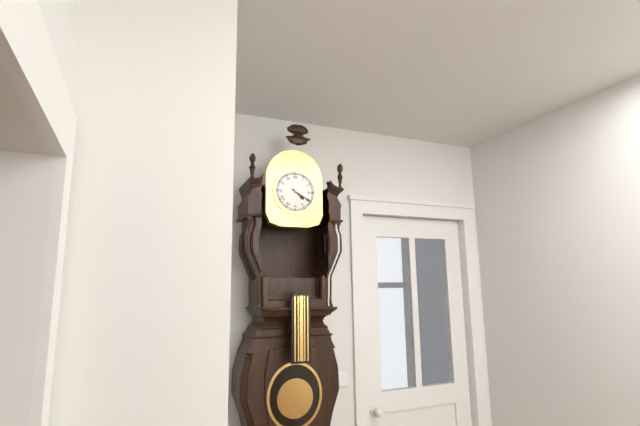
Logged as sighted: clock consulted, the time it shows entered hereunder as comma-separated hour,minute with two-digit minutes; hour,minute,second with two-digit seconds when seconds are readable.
4,20
